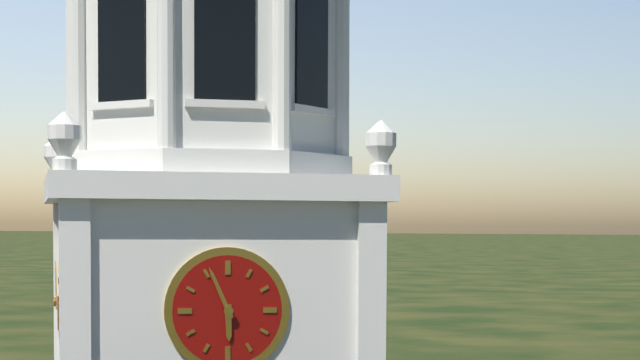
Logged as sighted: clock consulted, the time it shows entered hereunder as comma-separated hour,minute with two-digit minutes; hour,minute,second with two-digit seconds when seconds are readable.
5,56
